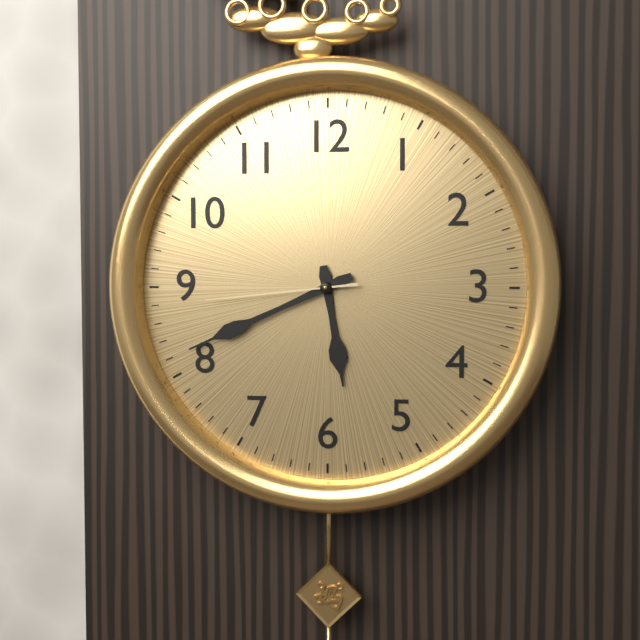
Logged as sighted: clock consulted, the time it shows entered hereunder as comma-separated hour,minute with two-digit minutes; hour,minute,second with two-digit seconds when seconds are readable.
5,41,44
